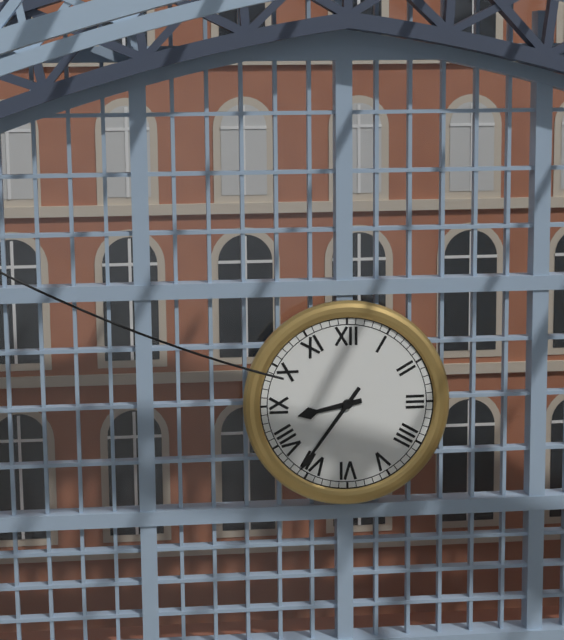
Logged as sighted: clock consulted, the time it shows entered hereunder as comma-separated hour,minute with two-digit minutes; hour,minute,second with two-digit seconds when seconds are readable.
8,36
